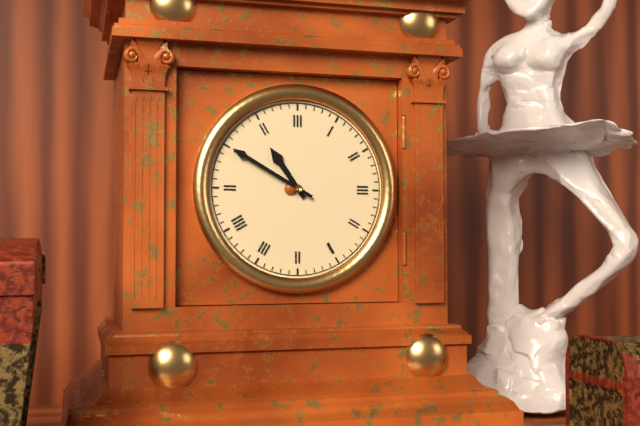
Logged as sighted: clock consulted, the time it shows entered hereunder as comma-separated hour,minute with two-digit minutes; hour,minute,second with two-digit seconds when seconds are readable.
10,50
